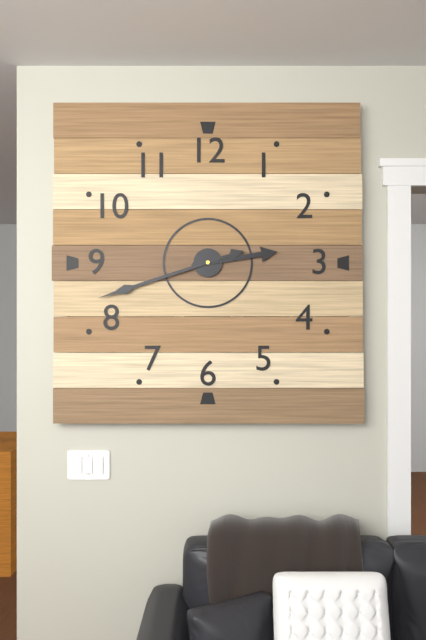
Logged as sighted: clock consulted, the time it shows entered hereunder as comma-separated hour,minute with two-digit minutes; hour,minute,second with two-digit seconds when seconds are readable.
2,42
